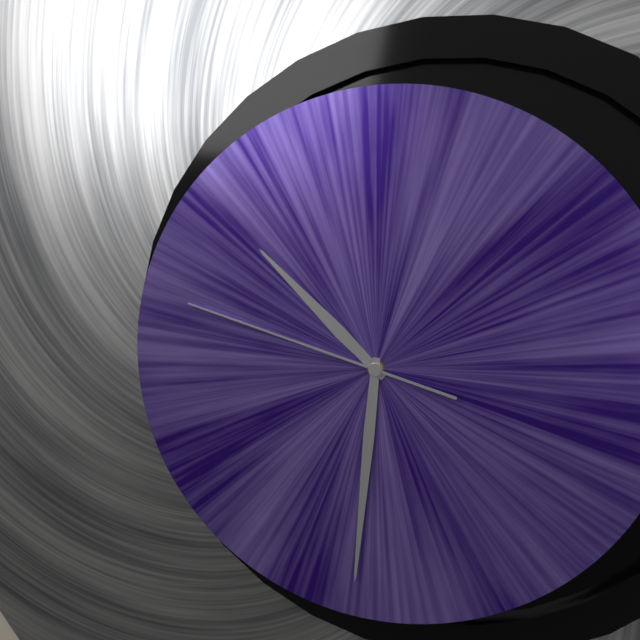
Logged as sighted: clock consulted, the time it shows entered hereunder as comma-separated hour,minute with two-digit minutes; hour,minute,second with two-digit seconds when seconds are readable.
10,31,48
